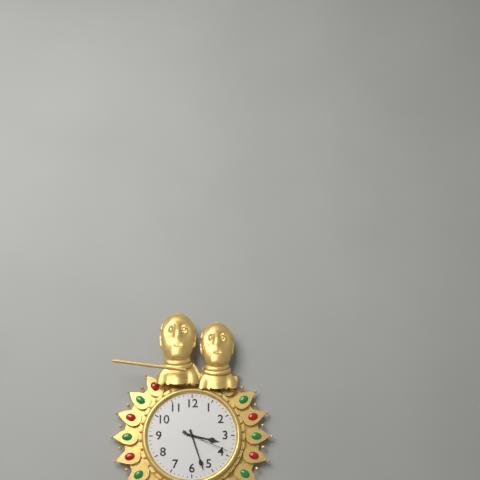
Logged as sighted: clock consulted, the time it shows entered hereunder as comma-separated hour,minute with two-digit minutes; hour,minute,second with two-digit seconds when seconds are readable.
3,27,19
